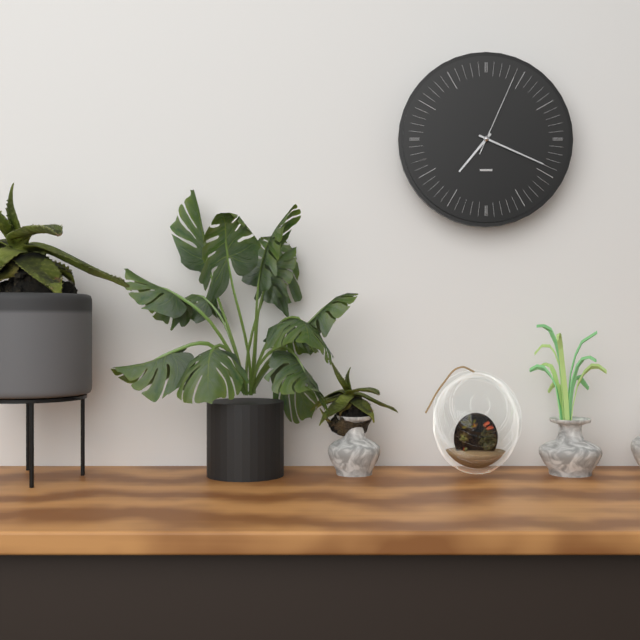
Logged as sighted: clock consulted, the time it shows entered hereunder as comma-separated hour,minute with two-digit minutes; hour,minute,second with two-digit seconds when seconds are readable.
7,19,04
